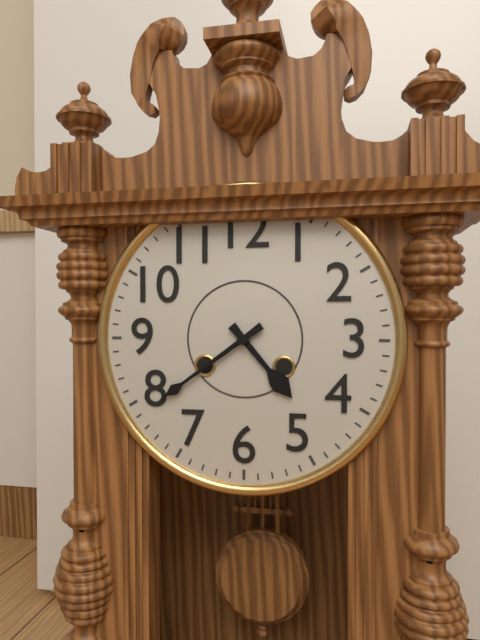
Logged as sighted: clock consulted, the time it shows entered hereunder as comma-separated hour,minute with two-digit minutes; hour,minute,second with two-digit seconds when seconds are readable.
4,39
